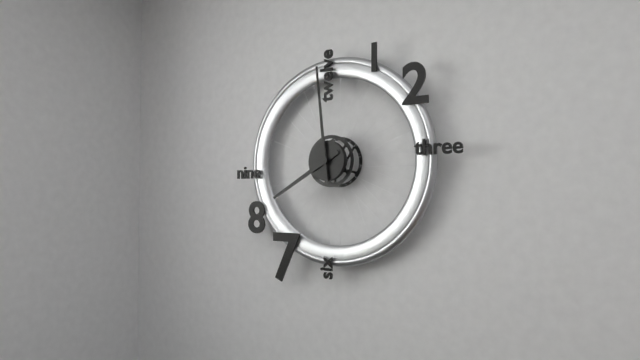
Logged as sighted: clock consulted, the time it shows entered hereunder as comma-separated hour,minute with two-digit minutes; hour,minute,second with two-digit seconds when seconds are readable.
7,59
